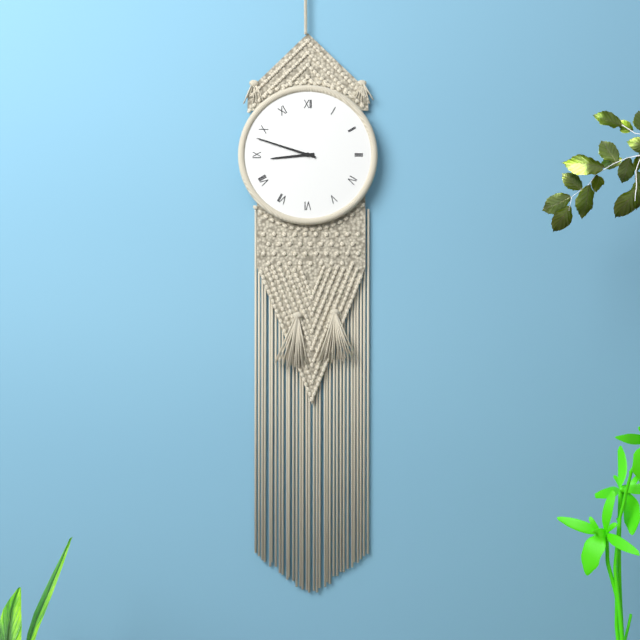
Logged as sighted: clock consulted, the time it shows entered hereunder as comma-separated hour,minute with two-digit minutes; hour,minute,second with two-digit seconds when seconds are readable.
8,48
